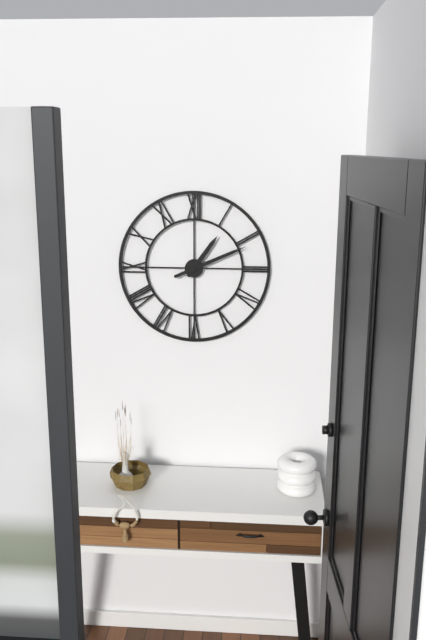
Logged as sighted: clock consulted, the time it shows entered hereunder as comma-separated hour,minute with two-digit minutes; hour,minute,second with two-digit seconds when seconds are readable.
1,11
